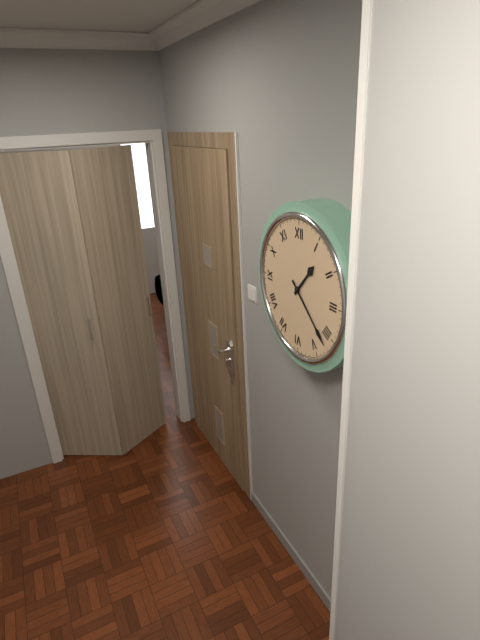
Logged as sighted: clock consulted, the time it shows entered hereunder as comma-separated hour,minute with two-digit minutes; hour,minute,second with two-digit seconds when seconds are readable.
1,22
